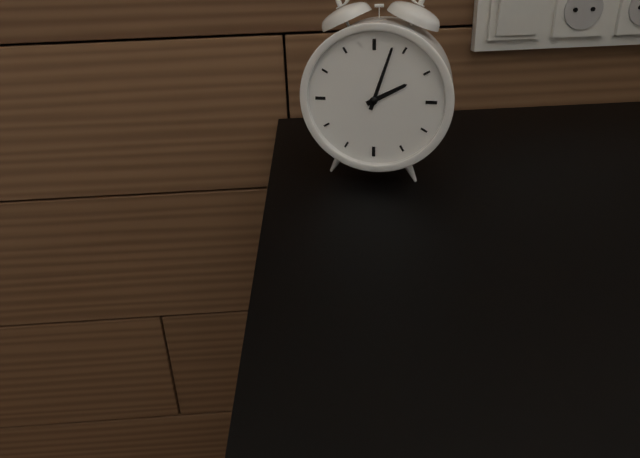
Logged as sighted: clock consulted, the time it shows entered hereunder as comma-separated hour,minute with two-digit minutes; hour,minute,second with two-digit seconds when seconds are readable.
2,03
